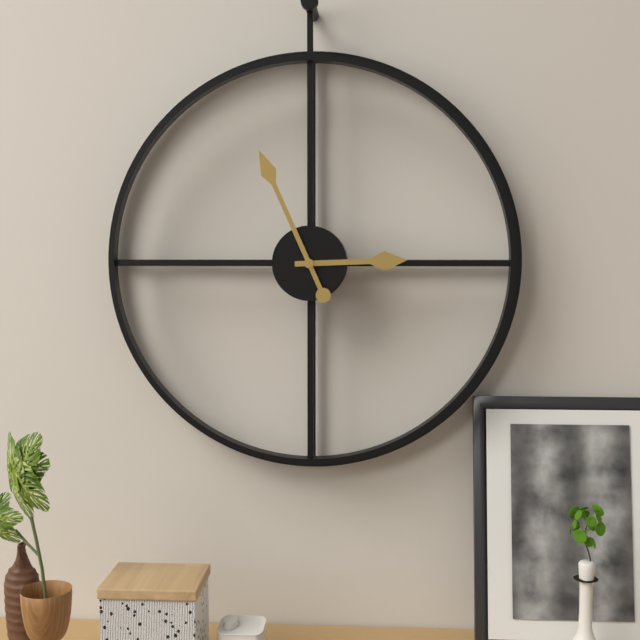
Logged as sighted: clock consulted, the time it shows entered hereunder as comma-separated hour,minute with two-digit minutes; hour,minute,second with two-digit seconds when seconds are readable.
2,56
